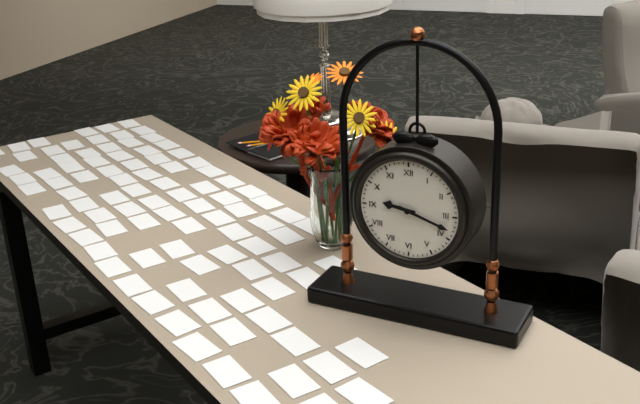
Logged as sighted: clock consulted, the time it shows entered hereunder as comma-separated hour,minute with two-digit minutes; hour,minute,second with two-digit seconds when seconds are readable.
9,18
